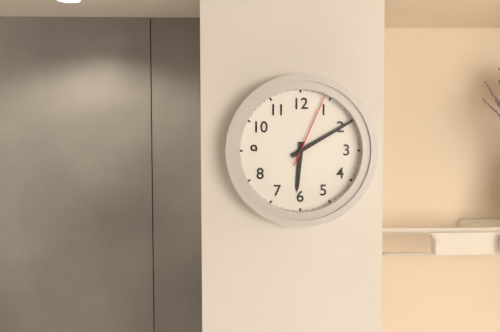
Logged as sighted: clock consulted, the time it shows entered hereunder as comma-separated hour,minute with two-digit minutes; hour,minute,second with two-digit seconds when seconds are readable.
6,10,04
